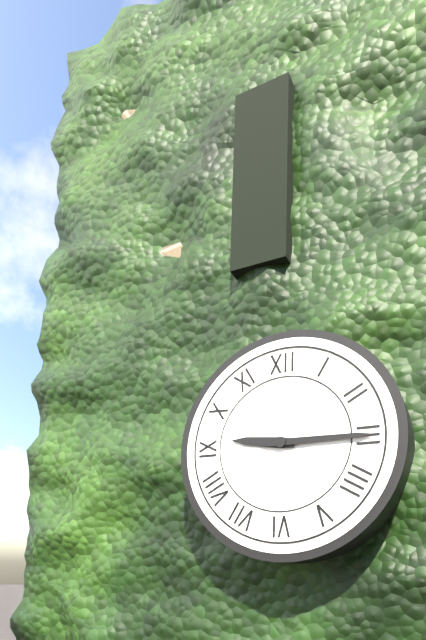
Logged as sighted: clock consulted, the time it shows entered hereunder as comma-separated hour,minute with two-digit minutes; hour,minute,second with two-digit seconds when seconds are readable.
9,15
